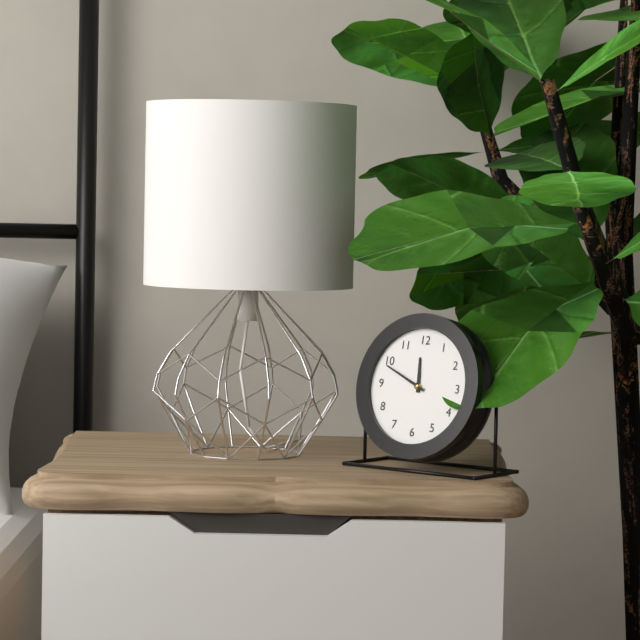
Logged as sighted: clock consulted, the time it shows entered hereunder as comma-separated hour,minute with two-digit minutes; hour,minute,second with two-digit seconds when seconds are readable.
11,49
